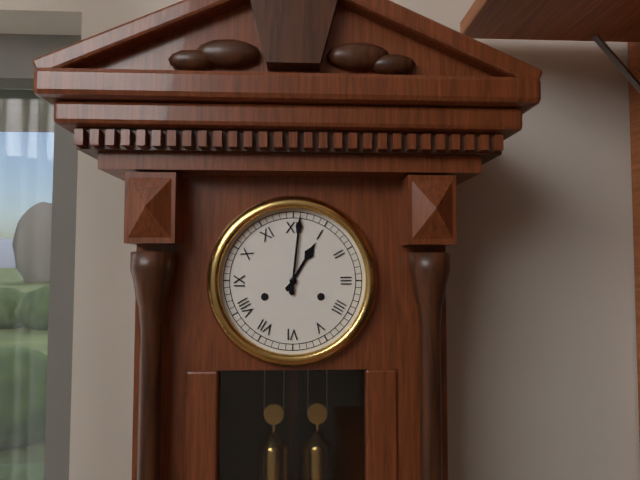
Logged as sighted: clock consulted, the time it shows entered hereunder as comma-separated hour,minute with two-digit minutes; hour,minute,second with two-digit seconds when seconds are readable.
1,01
